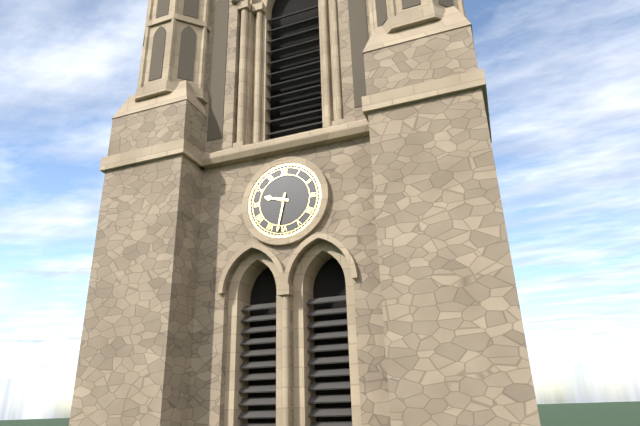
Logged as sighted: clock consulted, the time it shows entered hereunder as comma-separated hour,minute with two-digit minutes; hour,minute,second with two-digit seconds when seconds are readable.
9,32
